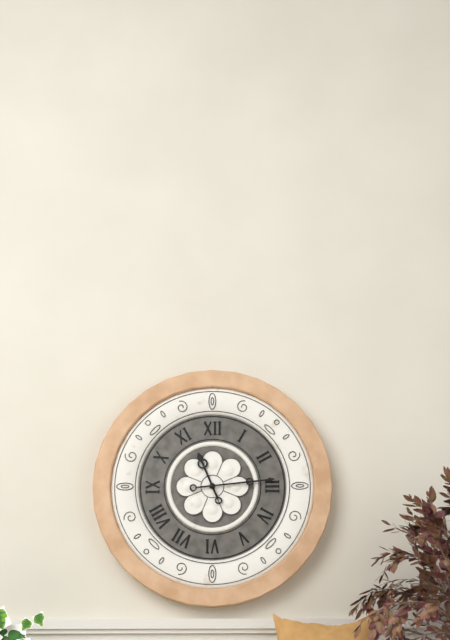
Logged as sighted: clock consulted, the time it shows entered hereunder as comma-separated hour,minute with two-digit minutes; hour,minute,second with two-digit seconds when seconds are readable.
11,14
